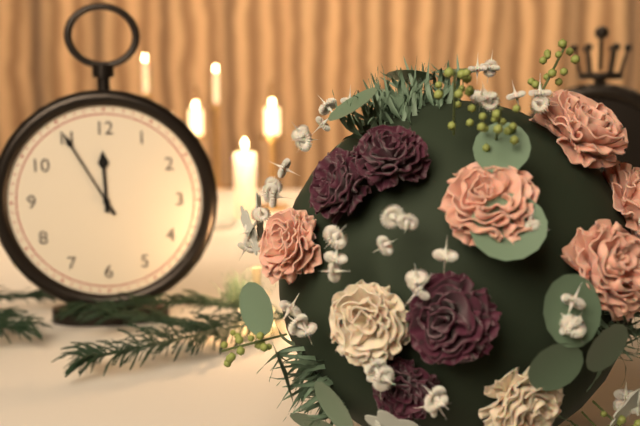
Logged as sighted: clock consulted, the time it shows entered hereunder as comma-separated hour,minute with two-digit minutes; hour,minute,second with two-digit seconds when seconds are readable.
11,55
